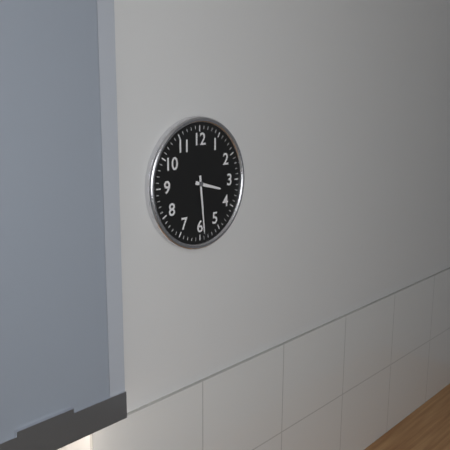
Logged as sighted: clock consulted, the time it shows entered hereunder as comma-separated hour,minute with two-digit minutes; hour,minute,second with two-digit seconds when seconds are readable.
3,29
